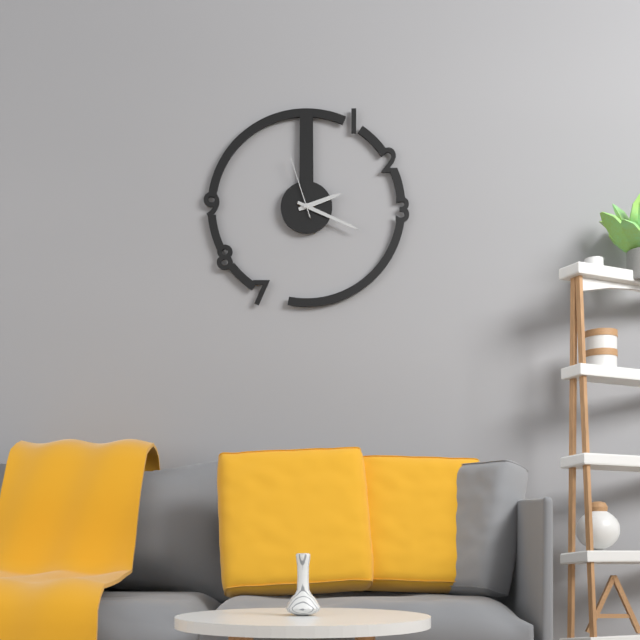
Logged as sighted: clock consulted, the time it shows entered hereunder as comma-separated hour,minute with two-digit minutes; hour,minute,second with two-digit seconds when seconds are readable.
2,19,57
